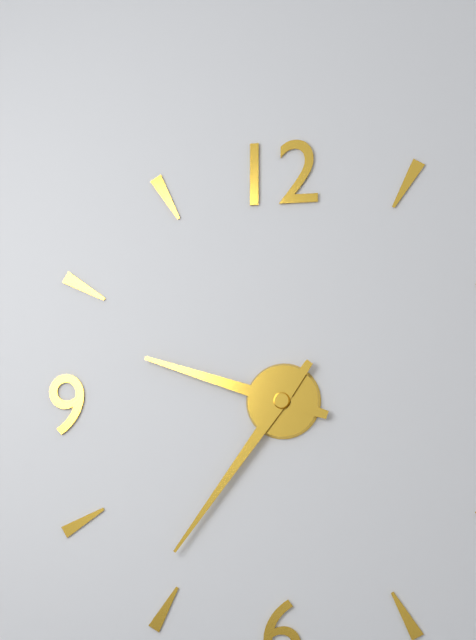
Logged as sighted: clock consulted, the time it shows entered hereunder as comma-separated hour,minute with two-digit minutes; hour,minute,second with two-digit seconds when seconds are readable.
9,36
